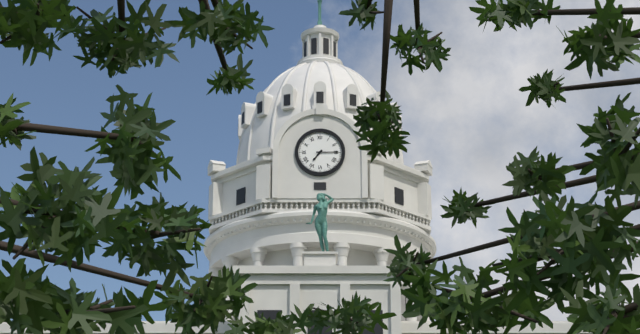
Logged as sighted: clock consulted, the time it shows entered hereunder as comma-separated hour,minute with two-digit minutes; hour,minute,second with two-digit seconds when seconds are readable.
7,15
